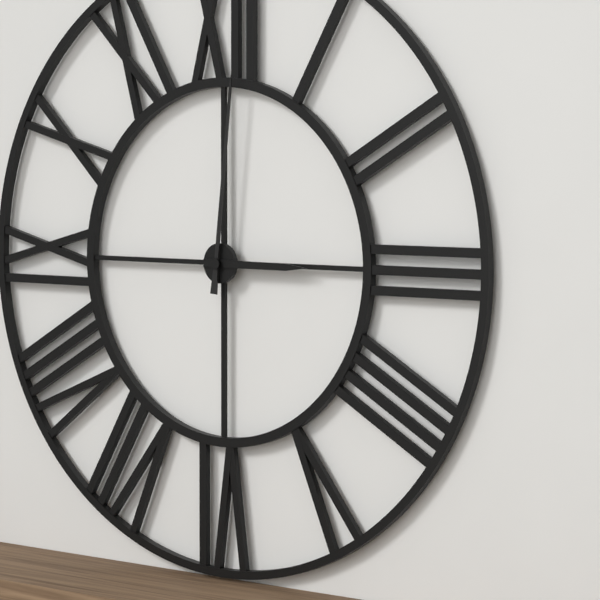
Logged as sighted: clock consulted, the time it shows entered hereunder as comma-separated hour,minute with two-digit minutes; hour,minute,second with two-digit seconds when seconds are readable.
3,01
